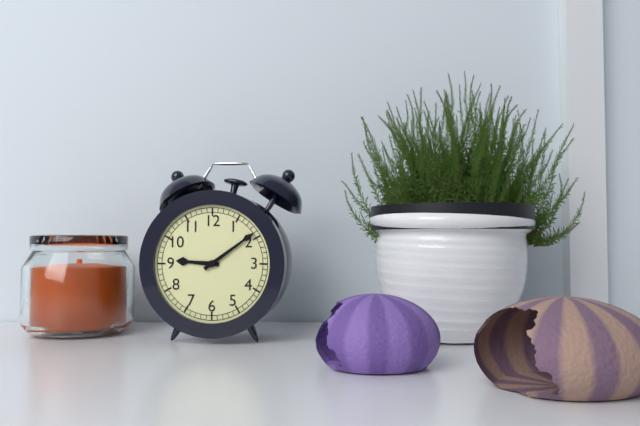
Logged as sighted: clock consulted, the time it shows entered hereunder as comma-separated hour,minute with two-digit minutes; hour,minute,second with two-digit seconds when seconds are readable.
9,09
